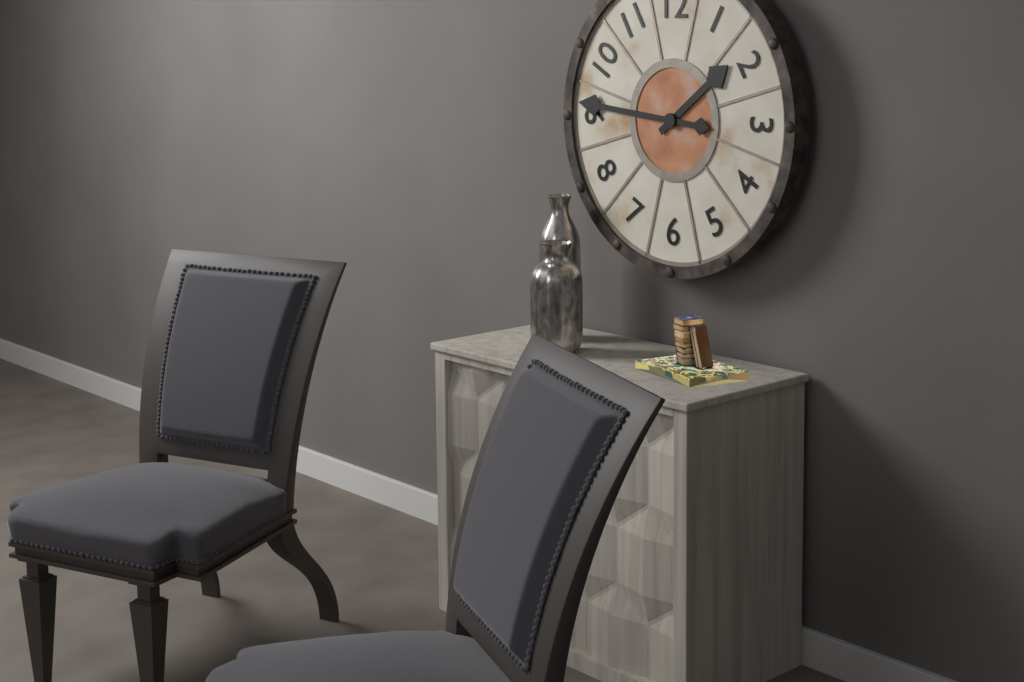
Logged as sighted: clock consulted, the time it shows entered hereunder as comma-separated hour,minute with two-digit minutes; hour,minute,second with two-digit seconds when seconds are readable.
1,46
